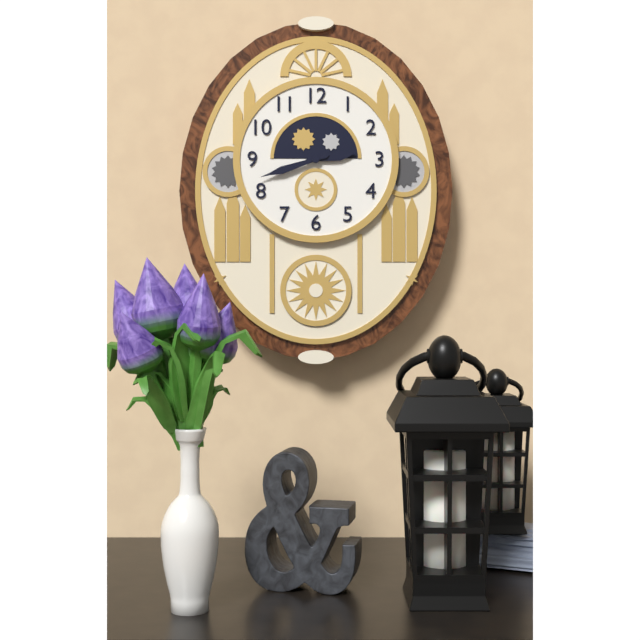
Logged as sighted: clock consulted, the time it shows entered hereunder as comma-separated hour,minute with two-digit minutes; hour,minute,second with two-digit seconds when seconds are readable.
2,42
